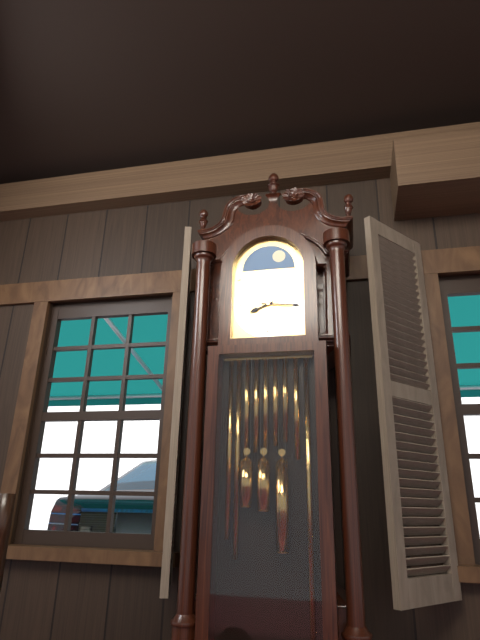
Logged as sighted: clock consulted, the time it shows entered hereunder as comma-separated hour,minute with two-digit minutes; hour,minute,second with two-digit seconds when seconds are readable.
8,16
